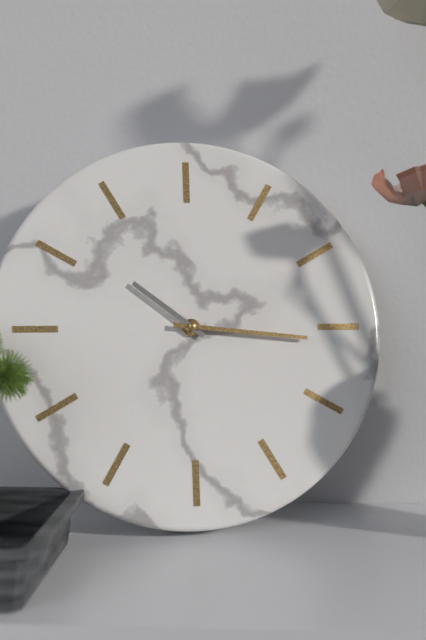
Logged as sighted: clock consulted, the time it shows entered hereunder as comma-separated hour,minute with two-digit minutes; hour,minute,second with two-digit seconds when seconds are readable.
10,16
